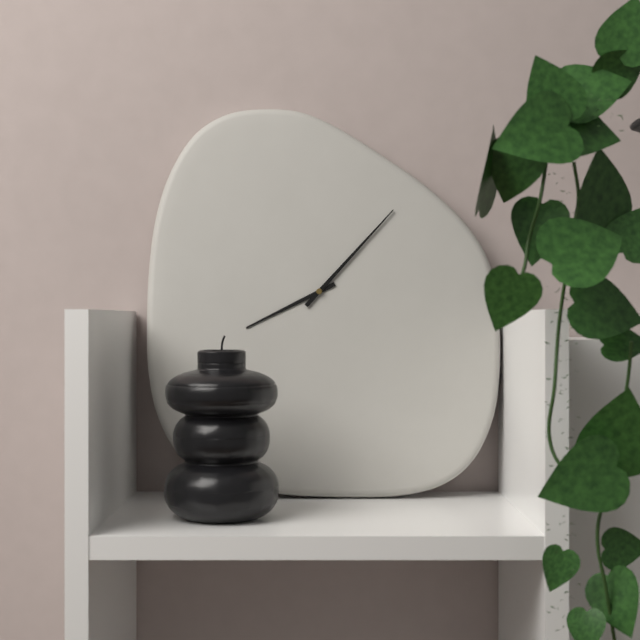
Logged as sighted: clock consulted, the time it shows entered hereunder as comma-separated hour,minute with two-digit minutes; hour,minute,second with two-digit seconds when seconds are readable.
8,07
